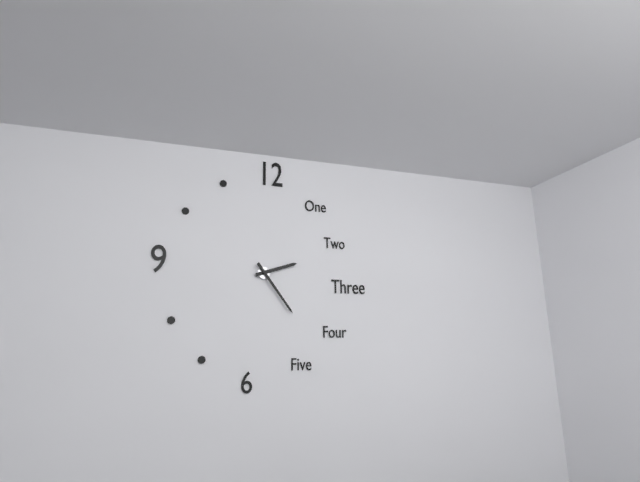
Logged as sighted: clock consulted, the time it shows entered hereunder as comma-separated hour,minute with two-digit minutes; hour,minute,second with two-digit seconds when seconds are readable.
2,24
